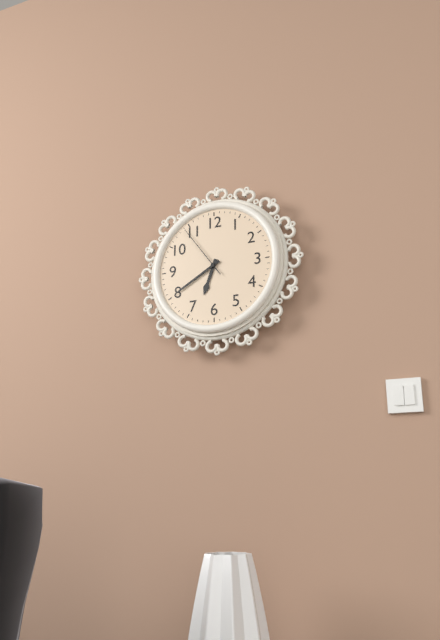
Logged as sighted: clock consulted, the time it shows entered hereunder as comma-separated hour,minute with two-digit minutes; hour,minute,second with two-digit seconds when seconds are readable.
6,40,54
